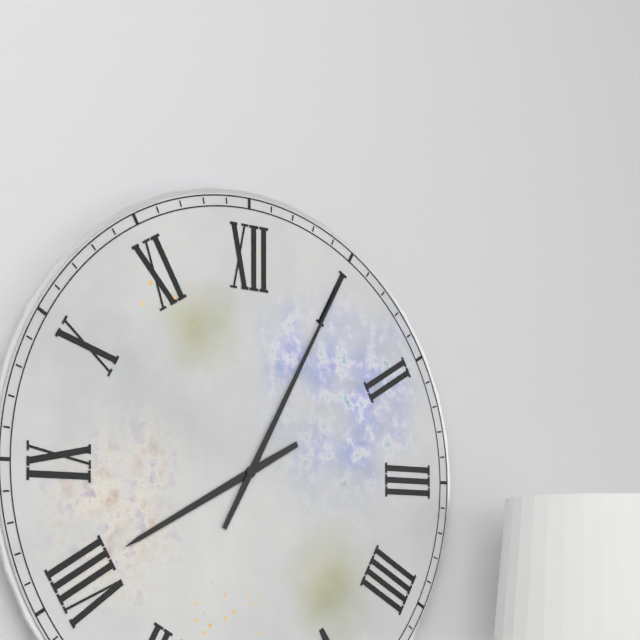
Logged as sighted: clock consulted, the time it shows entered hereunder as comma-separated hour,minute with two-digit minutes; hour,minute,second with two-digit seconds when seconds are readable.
8,05
